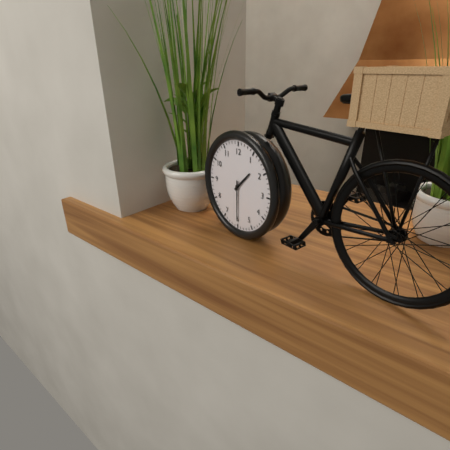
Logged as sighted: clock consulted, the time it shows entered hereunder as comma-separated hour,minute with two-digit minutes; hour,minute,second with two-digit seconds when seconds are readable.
1,30
